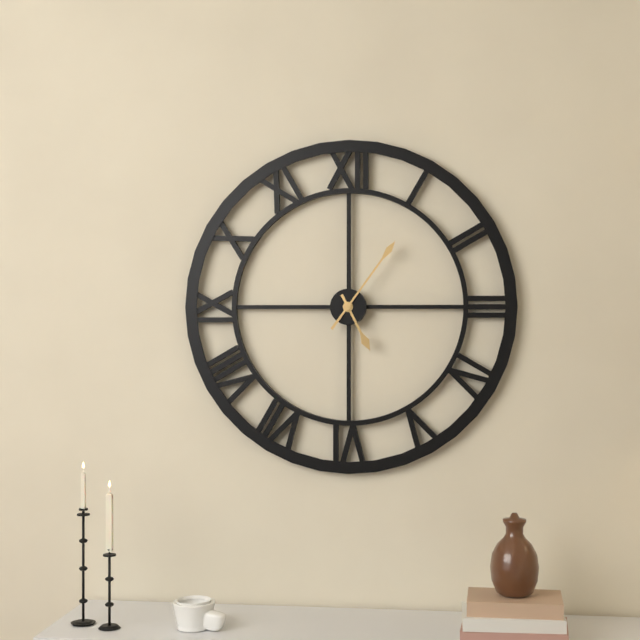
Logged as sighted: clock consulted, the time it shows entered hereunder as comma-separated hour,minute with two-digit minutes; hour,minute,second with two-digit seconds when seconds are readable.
5,06
